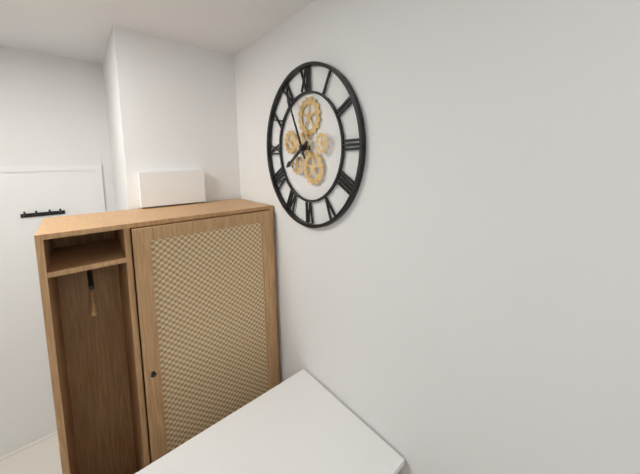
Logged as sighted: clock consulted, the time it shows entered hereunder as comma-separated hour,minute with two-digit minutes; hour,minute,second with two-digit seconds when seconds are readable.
7,56
